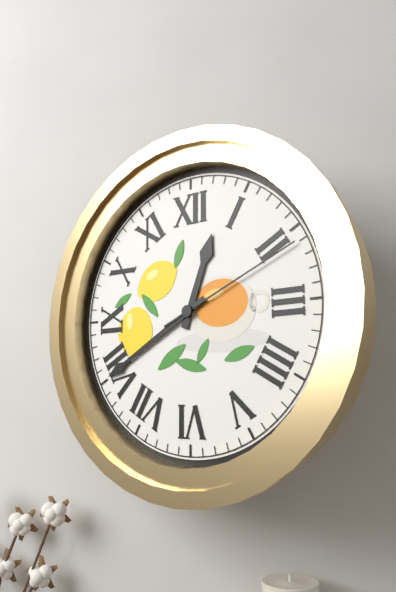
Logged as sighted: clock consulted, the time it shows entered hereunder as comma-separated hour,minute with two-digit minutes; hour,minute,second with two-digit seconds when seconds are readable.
12,40,11
